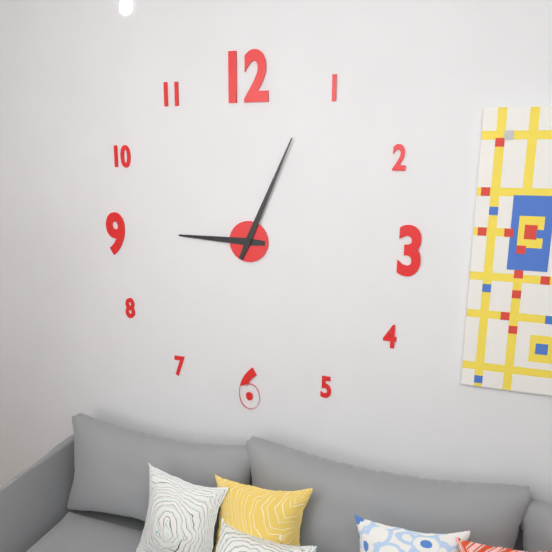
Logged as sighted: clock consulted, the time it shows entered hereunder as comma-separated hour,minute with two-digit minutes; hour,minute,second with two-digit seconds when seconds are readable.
9,04
